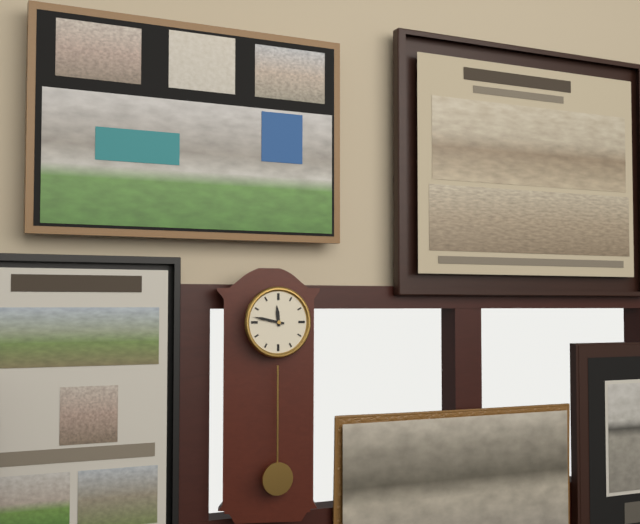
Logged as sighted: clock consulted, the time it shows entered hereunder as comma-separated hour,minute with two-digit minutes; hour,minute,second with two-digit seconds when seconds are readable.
11,47
